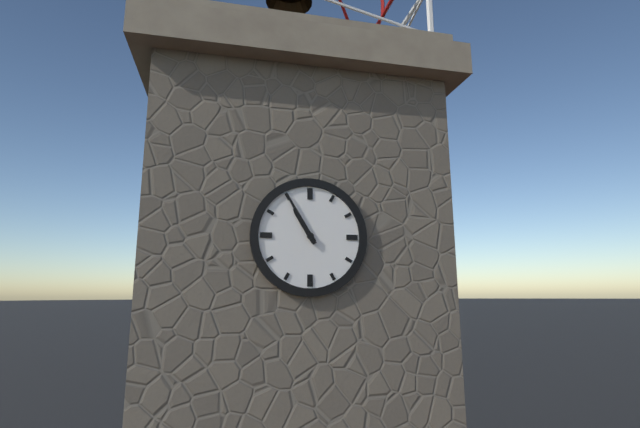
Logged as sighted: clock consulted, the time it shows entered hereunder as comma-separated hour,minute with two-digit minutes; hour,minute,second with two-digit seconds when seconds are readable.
10,55
